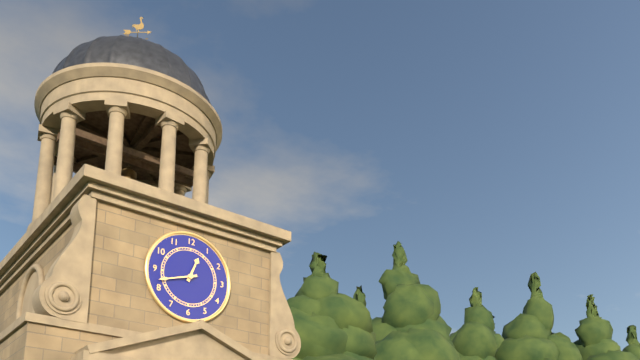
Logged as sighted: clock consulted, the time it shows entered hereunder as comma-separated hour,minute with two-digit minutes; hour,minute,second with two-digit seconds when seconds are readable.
12,42
